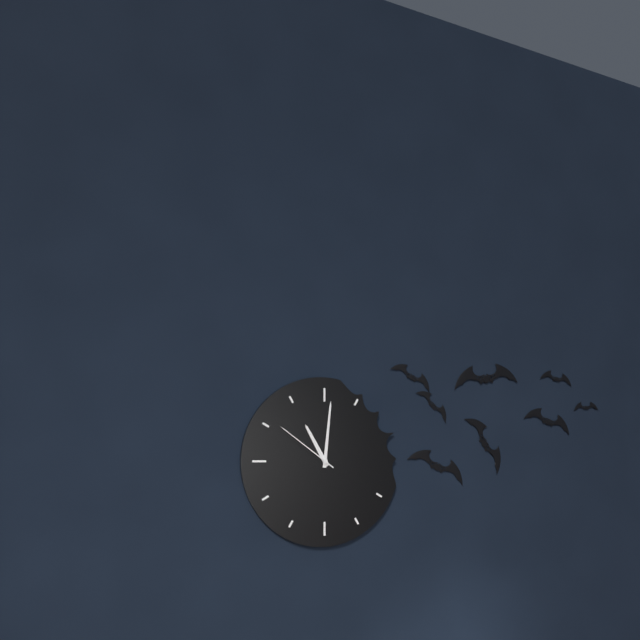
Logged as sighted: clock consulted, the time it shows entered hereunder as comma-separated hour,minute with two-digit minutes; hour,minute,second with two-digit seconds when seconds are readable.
11,01,51
